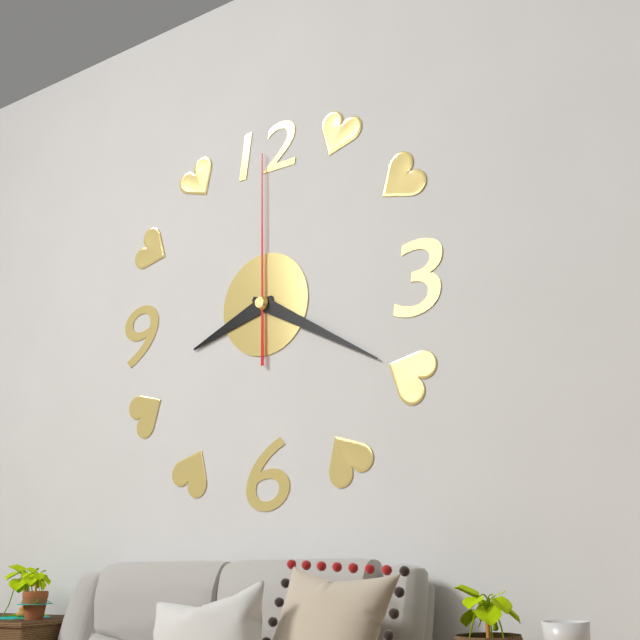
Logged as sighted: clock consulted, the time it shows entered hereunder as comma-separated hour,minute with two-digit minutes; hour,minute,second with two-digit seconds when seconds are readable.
8,20,00
